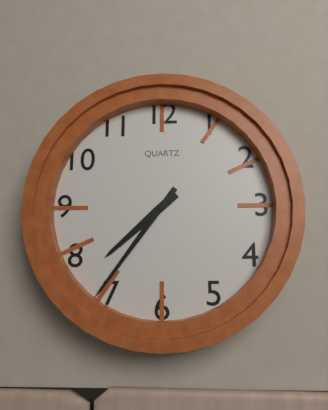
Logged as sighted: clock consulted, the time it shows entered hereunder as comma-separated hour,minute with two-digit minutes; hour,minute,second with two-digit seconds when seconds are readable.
7,36
